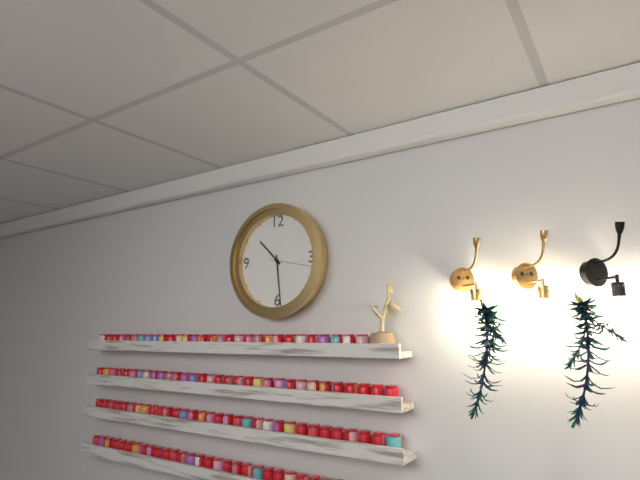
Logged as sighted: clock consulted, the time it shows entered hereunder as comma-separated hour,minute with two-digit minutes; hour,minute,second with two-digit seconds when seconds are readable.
10,29
